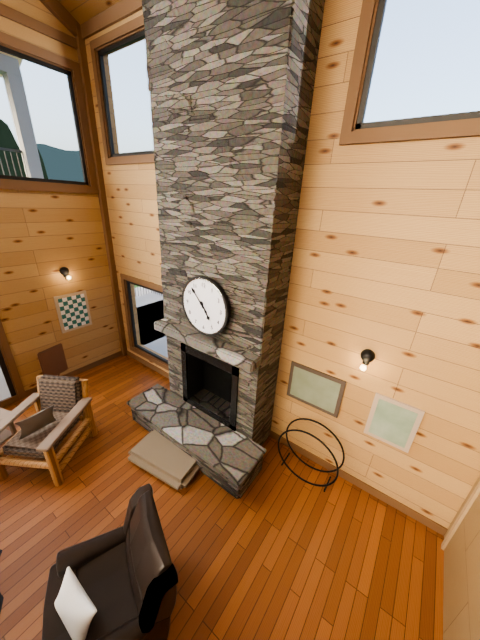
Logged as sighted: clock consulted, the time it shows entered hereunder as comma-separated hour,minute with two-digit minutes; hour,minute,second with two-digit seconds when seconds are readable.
4,53
